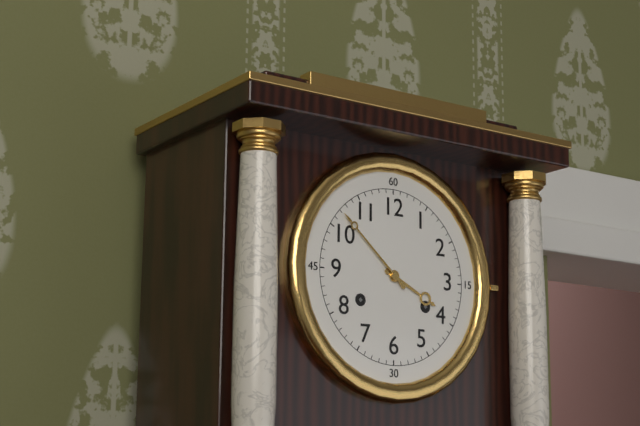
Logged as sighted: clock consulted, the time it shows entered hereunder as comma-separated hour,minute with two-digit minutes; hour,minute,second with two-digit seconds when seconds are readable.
3,52
